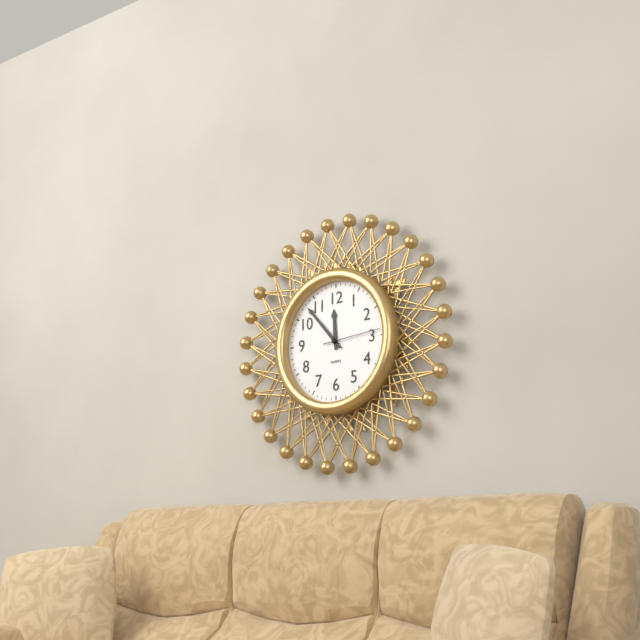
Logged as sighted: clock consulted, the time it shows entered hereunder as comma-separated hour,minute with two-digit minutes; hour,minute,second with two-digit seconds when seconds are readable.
11,53,14
